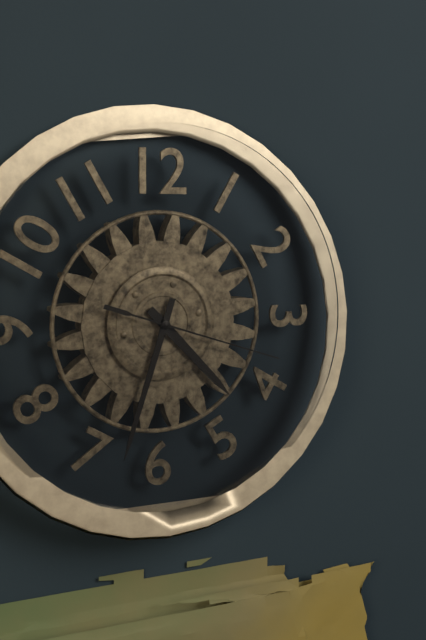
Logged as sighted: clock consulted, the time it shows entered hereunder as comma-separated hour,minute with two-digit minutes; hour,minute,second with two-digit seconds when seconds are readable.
4,33,18
